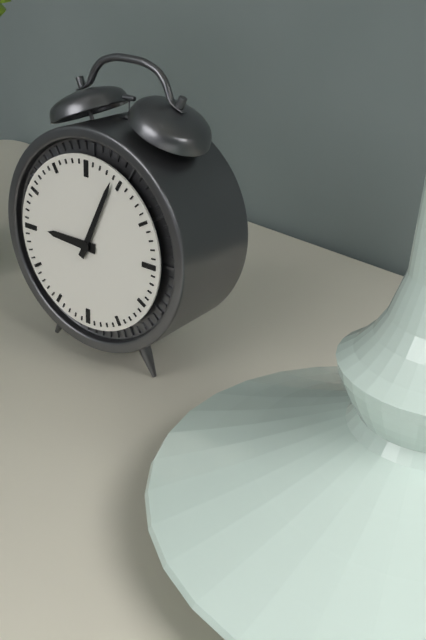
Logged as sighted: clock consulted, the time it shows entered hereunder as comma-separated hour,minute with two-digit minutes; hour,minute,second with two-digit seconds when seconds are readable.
9,04
